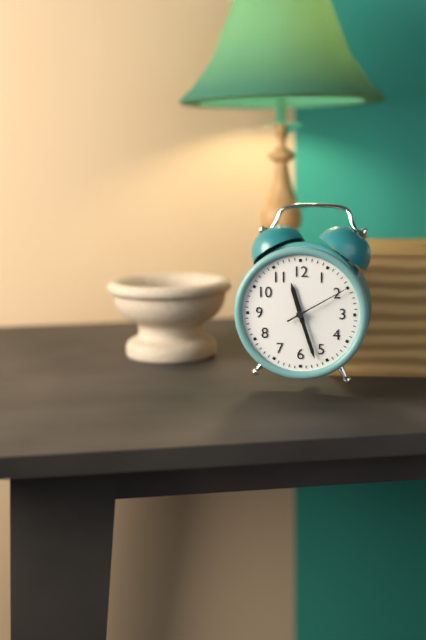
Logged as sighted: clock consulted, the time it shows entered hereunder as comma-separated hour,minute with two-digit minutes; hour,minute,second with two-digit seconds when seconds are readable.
11,27,10
